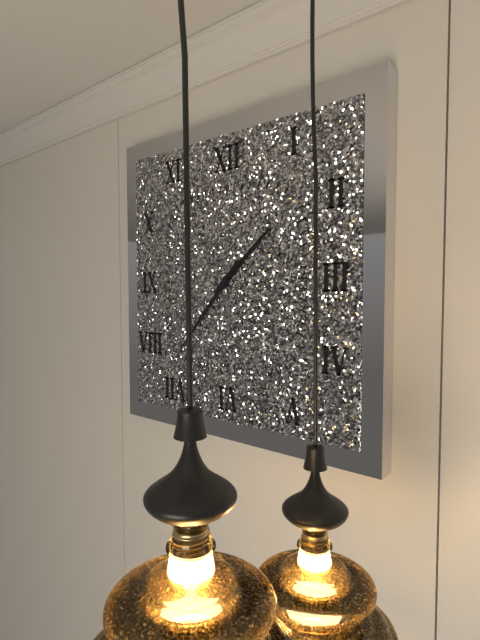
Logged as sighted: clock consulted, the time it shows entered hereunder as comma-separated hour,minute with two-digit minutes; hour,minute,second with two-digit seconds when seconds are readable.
1,37
